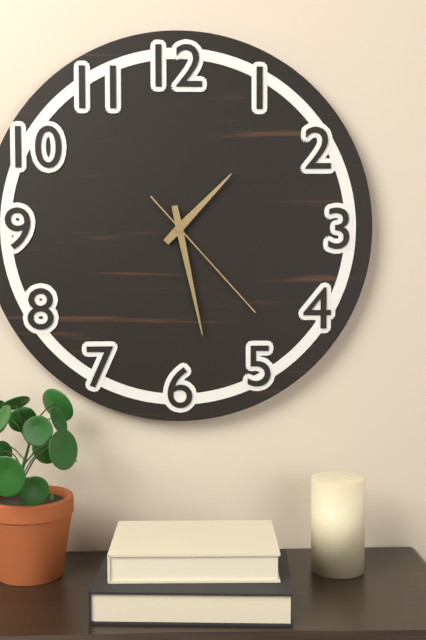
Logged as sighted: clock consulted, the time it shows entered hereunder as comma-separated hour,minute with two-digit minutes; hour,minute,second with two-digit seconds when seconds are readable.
1,28,23
